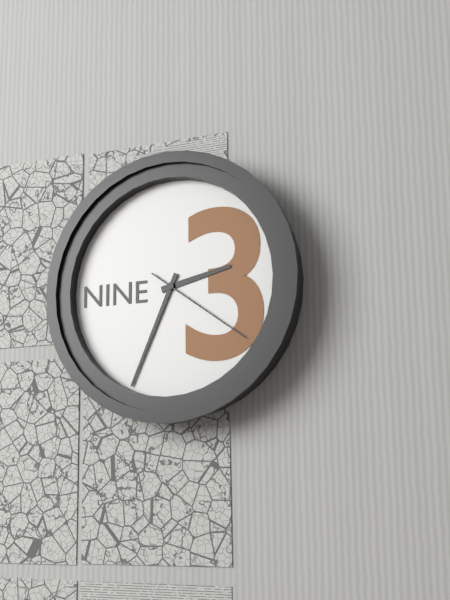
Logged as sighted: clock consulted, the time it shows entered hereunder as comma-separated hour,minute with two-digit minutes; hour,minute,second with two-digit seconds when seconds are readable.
2,34,21
